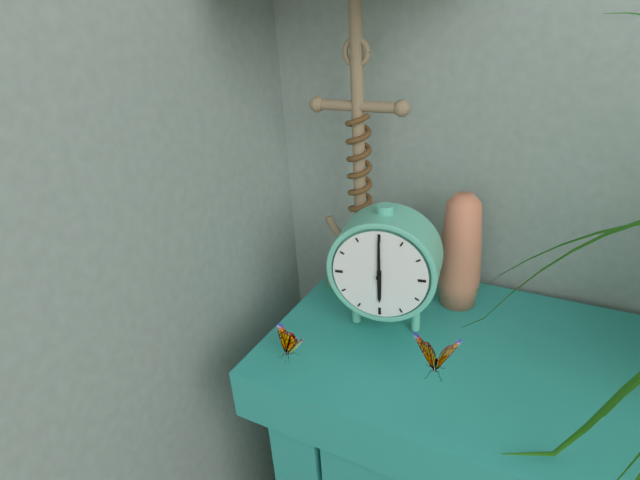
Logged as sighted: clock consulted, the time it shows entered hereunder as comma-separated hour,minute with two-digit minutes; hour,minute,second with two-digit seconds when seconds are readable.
6,00
